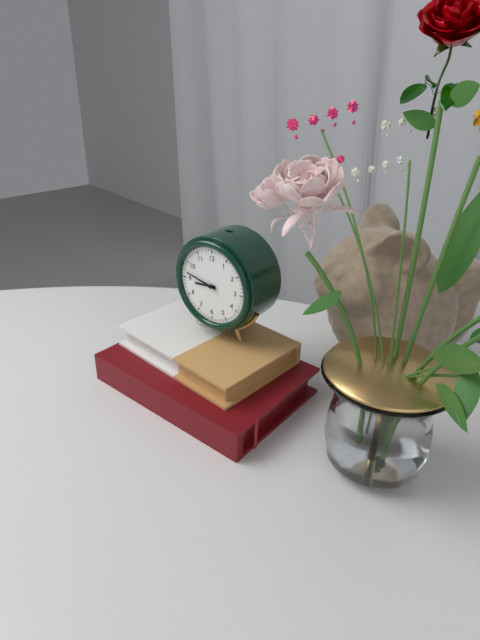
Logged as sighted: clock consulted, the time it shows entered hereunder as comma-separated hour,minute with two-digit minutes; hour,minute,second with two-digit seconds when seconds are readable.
8,47
